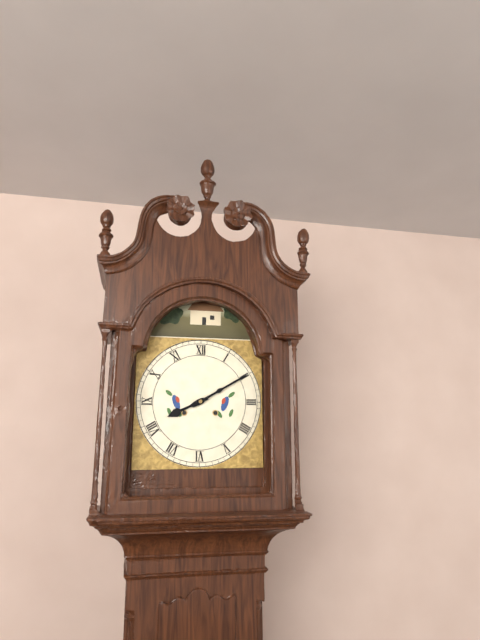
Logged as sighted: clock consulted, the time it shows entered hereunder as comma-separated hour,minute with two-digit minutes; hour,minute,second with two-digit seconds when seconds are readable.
8,10
